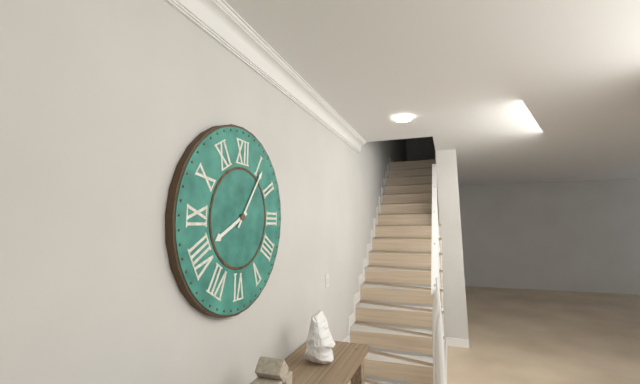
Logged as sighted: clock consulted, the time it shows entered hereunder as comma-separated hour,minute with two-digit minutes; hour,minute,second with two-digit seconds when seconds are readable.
8,06
